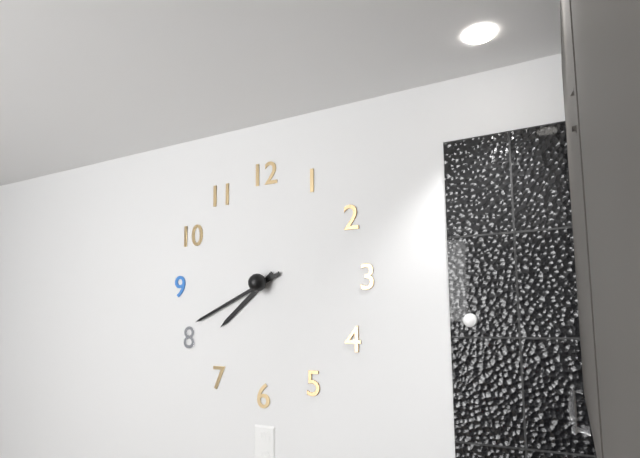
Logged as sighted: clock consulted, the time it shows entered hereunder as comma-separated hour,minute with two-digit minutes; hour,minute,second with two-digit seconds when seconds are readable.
7,41
